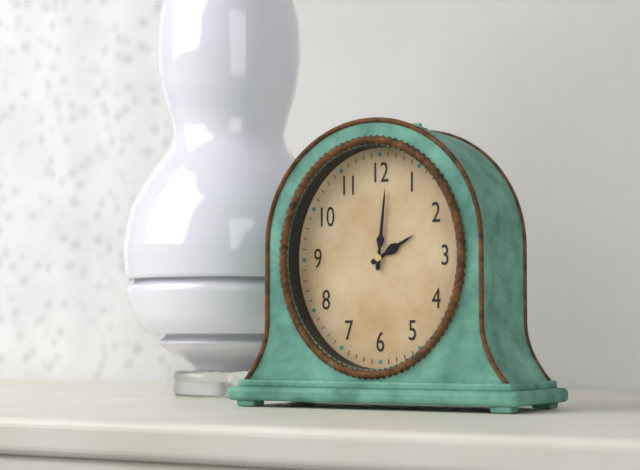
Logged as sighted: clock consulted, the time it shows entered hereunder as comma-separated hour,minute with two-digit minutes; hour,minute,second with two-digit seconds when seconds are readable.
2,01
